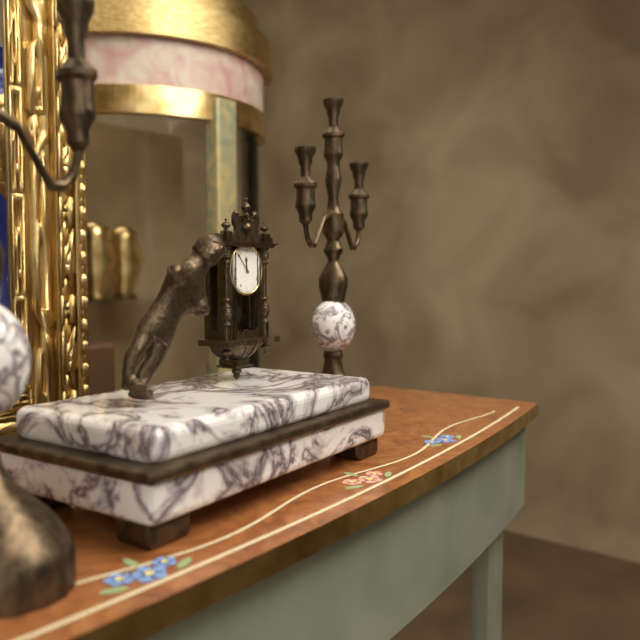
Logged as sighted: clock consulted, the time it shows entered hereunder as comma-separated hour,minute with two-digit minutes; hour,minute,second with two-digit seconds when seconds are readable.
11,53
